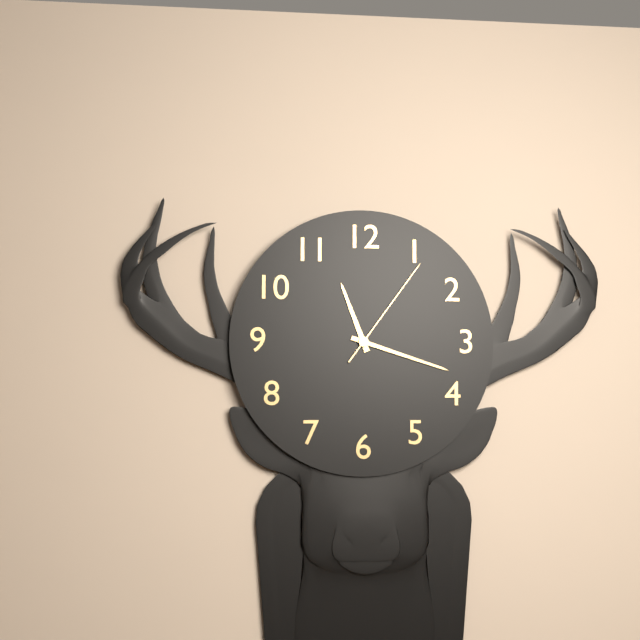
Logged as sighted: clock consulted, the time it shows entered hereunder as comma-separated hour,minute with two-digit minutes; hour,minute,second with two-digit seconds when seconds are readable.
11,18,06
